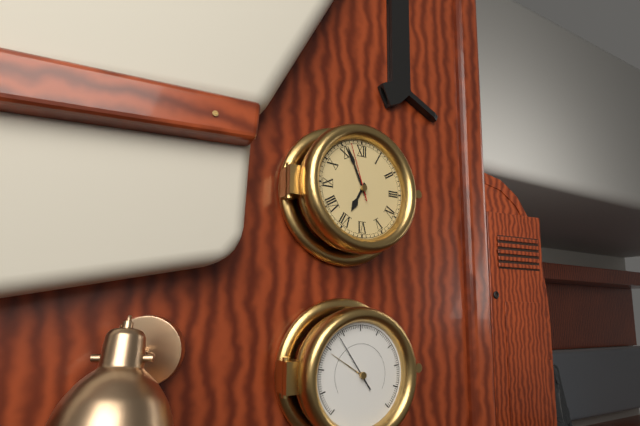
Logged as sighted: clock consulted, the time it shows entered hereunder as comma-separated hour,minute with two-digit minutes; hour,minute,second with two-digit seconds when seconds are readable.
6,56,57
